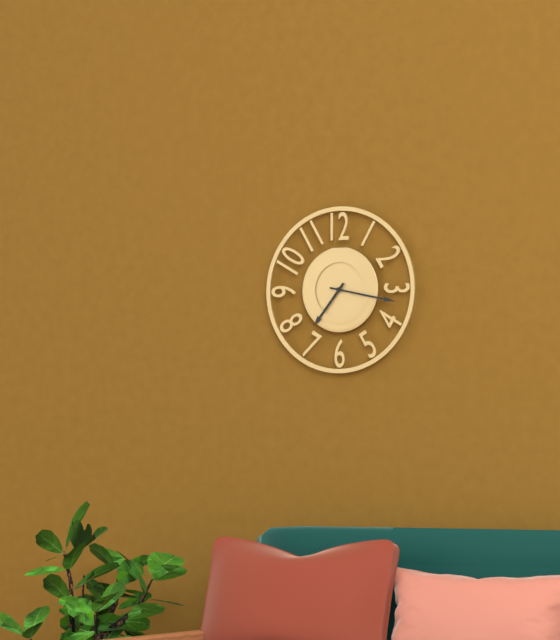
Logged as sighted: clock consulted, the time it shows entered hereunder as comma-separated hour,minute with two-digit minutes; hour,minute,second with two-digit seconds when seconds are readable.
7,17
